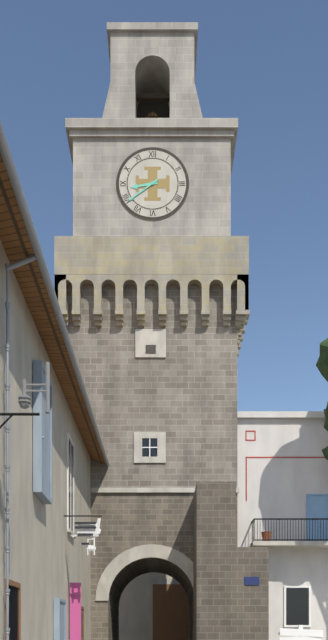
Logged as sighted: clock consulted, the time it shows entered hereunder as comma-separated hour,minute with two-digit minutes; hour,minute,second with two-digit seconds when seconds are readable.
8,39
